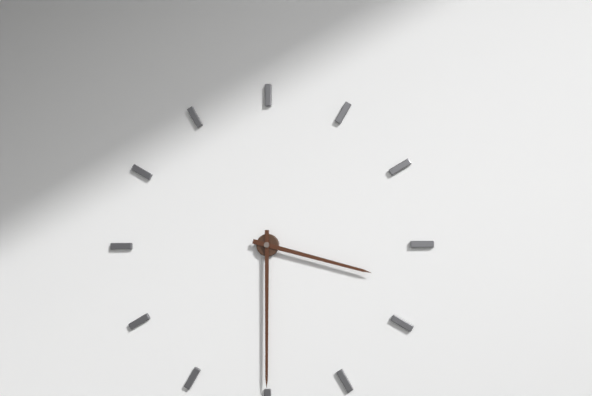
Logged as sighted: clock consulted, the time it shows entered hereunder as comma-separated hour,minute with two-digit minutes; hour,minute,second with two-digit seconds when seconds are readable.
3,30
